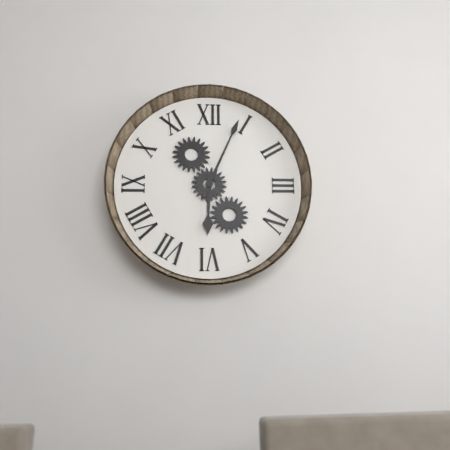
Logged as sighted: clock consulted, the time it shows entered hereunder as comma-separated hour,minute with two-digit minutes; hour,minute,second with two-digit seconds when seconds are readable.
6,04
